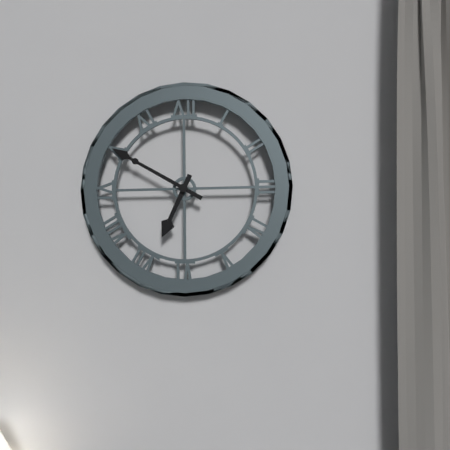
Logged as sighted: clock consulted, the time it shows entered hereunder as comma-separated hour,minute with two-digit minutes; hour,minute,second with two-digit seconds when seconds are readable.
6,50
